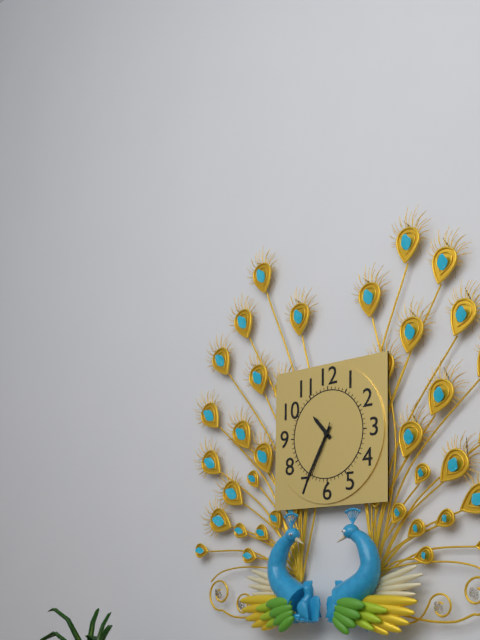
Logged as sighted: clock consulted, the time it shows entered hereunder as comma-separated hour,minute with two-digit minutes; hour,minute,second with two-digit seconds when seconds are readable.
10,35,34
